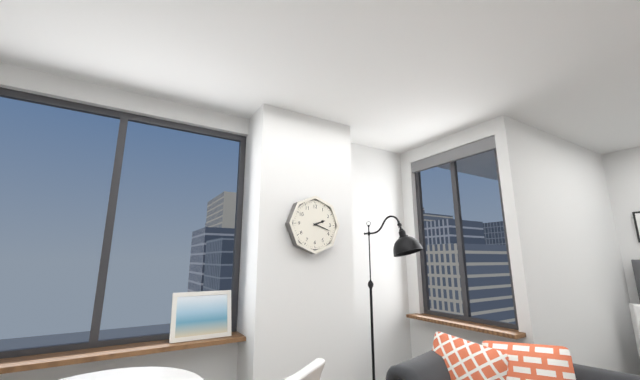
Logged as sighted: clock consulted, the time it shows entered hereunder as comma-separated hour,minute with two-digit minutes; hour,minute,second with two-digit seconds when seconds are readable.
2,18
